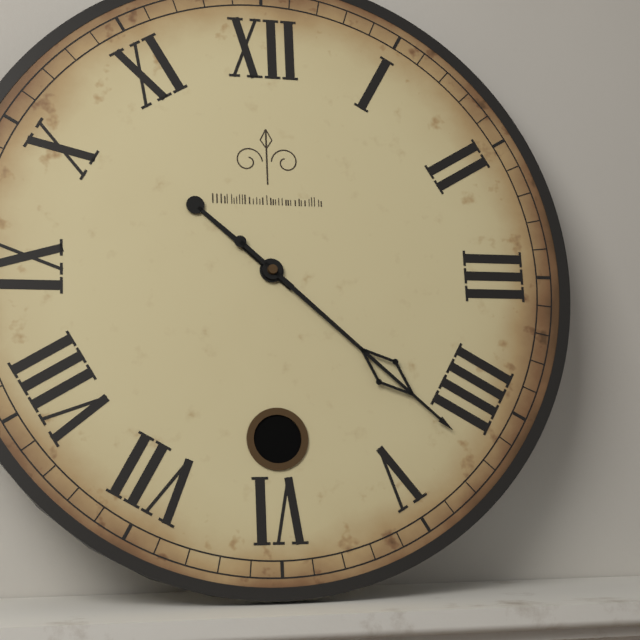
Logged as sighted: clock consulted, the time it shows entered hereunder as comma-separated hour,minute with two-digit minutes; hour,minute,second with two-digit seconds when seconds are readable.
10,22
